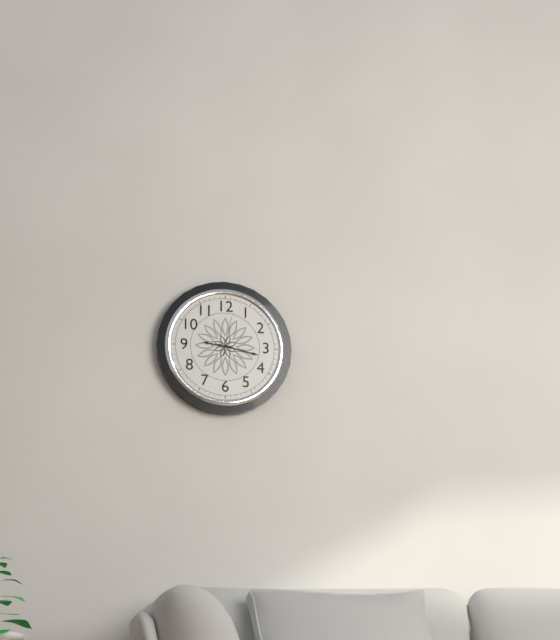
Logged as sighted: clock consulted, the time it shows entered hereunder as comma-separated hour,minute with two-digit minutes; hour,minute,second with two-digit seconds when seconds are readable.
9,17
